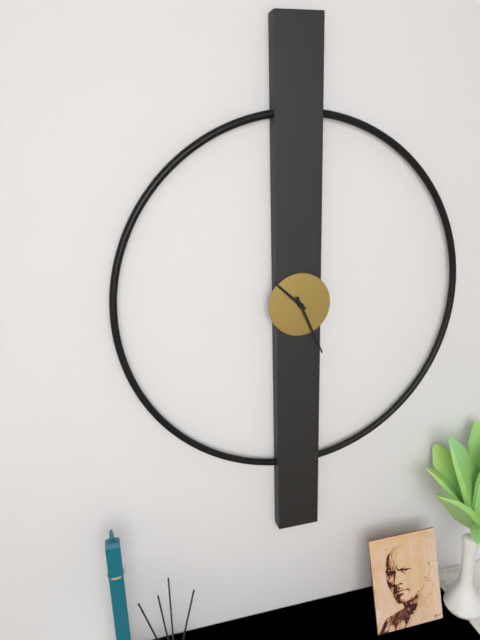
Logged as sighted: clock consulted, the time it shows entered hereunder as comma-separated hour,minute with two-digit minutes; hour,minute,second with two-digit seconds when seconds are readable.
10,26
